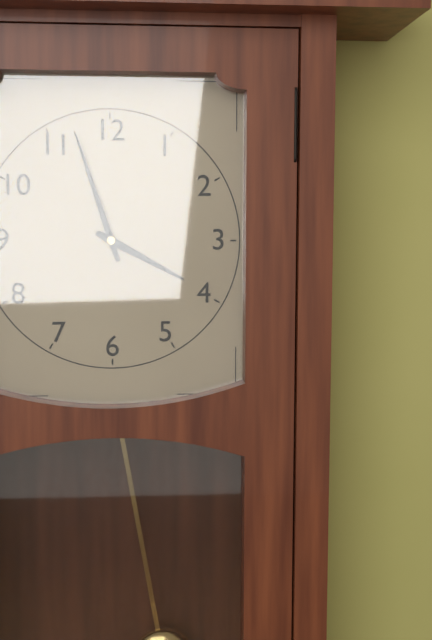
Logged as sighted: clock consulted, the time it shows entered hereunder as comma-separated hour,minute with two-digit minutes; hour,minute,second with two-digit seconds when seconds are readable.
3,57
